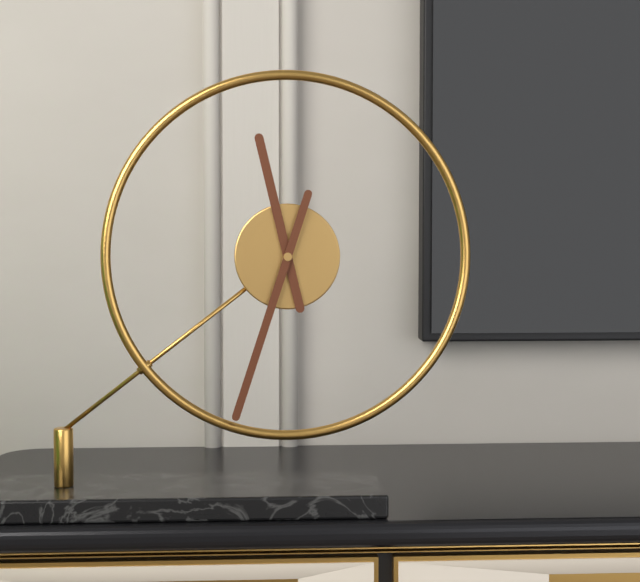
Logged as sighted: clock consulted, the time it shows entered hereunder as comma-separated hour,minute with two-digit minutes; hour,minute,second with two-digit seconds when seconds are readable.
11,33
